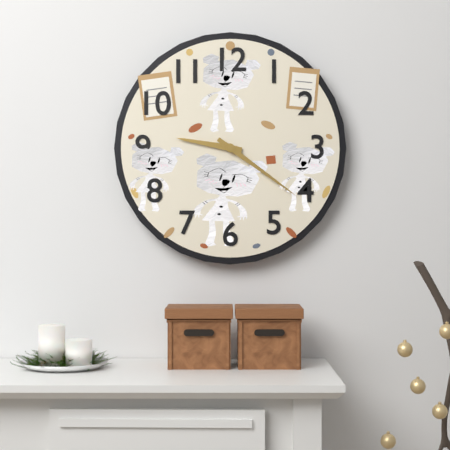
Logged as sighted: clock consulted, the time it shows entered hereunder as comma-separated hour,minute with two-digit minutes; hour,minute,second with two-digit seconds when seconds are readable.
9,21
